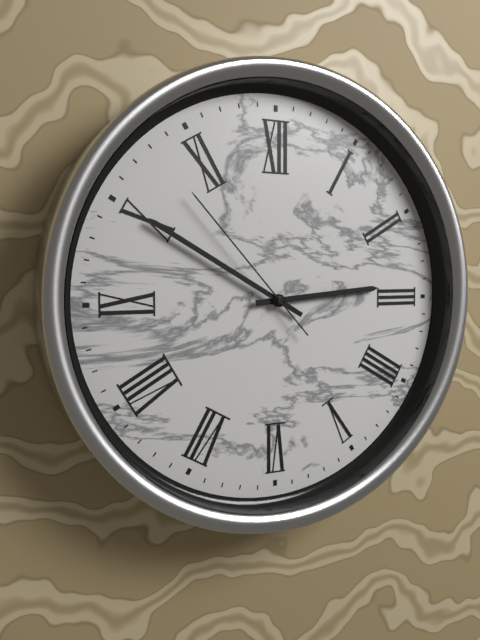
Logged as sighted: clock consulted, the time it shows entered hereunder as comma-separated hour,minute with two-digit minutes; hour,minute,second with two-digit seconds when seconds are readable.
2,50,53
